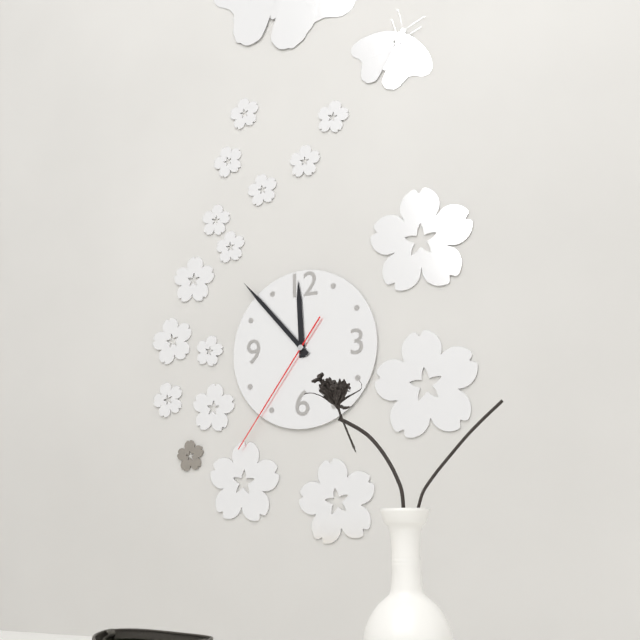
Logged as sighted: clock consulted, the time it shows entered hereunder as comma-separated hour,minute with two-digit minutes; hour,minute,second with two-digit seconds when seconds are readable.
11,53,36
